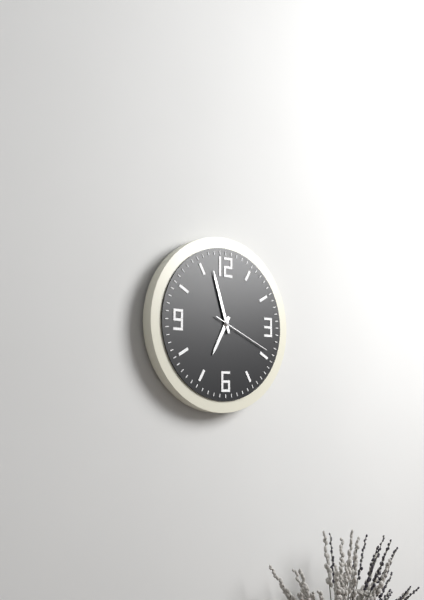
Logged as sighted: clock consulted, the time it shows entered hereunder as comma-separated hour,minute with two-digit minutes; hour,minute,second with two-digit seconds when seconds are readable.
6,57,19
